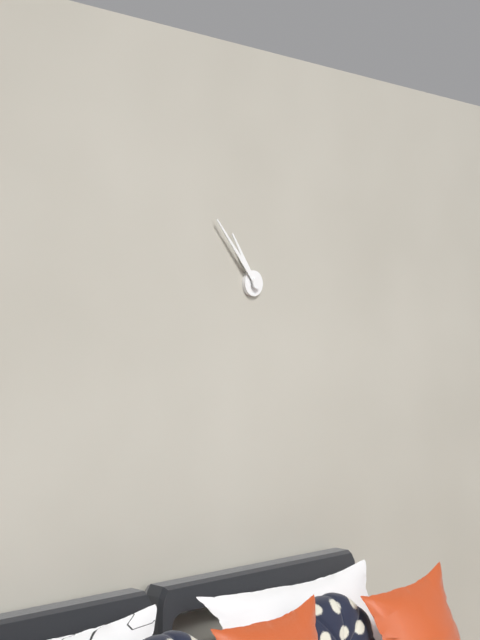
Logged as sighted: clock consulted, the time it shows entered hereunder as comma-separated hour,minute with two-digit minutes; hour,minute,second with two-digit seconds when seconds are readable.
10,53
